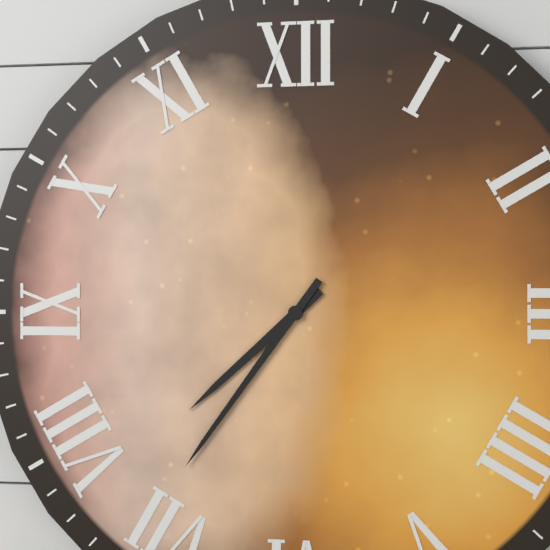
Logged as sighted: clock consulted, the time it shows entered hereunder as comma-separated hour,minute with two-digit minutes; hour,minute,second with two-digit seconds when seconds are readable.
7,36
